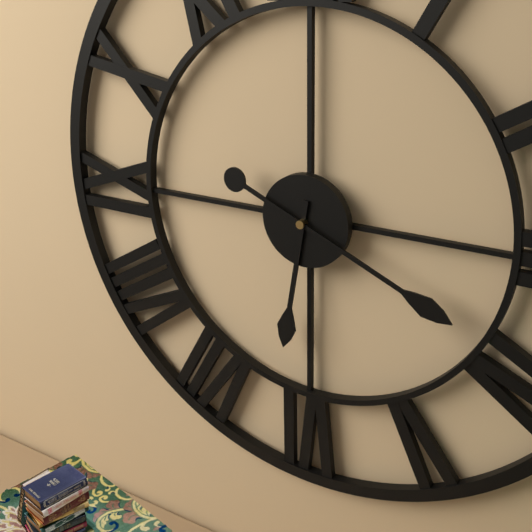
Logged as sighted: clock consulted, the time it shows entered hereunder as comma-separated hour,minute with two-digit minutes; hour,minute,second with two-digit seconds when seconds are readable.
6,19
